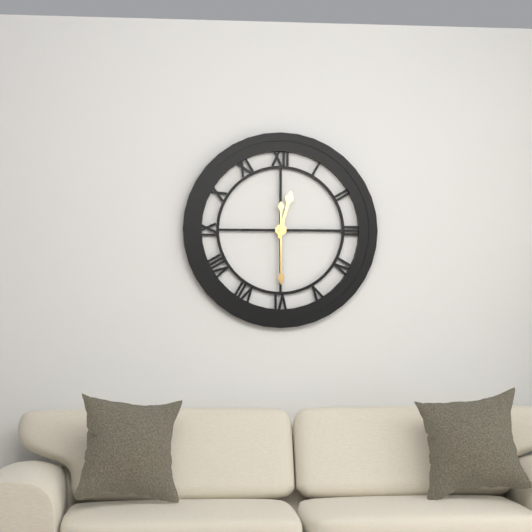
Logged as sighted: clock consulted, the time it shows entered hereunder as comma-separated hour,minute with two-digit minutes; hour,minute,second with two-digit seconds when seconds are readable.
12,30
